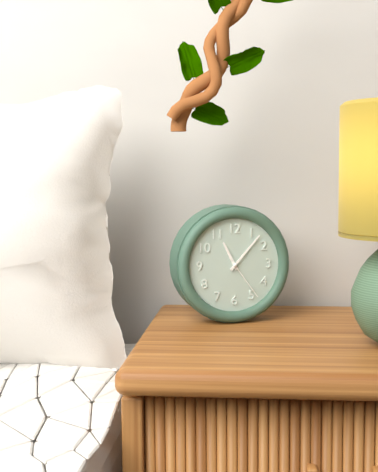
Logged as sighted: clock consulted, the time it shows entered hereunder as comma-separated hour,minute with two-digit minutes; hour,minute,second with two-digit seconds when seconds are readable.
11,07
